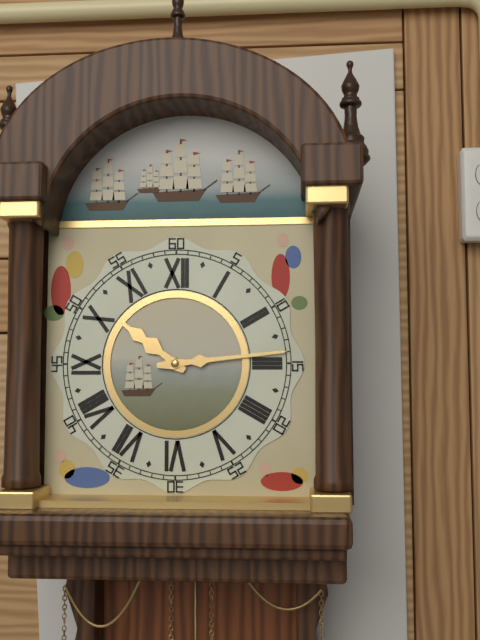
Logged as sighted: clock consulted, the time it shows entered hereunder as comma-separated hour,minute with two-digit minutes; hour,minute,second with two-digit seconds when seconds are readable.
10,14
